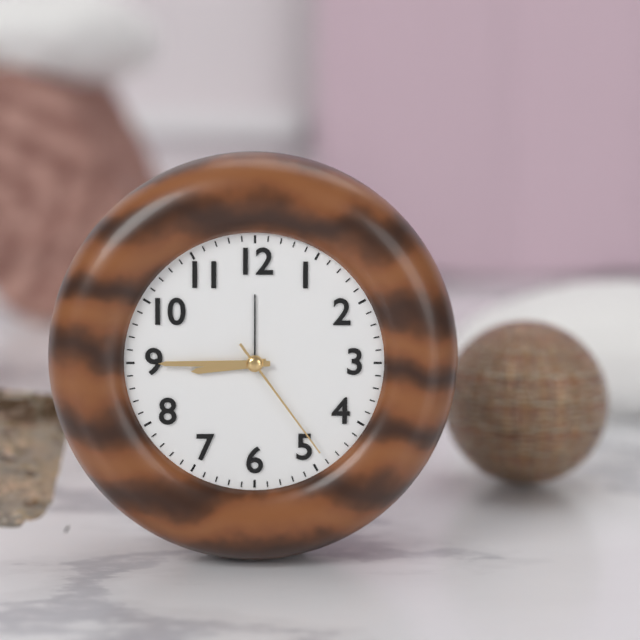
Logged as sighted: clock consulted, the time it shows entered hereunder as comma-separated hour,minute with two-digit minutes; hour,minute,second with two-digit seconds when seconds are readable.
8,45,24
